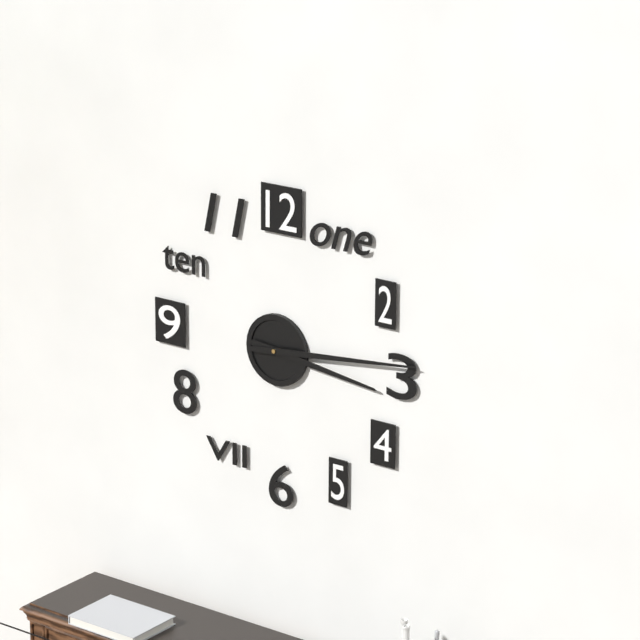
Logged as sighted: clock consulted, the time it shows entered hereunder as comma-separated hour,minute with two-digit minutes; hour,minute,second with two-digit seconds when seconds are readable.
3,14
